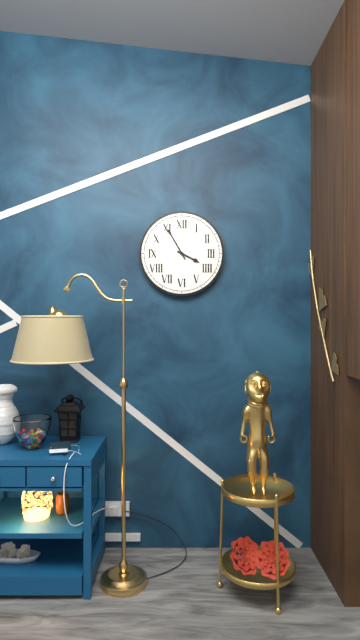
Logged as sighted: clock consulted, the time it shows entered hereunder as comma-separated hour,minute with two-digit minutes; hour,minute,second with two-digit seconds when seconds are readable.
3,55
